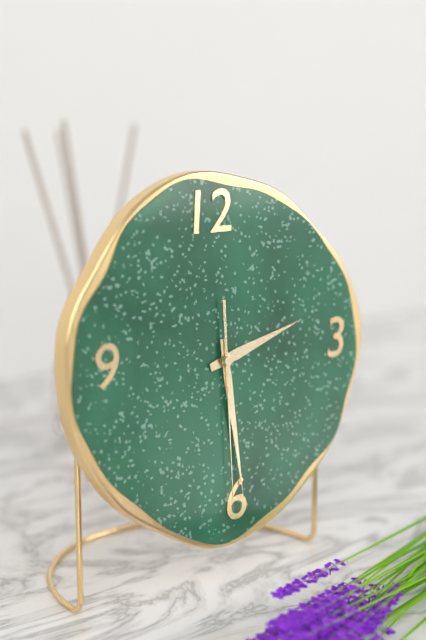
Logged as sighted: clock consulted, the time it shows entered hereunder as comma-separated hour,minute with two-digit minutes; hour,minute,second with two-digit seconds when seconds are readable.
2,29,30
